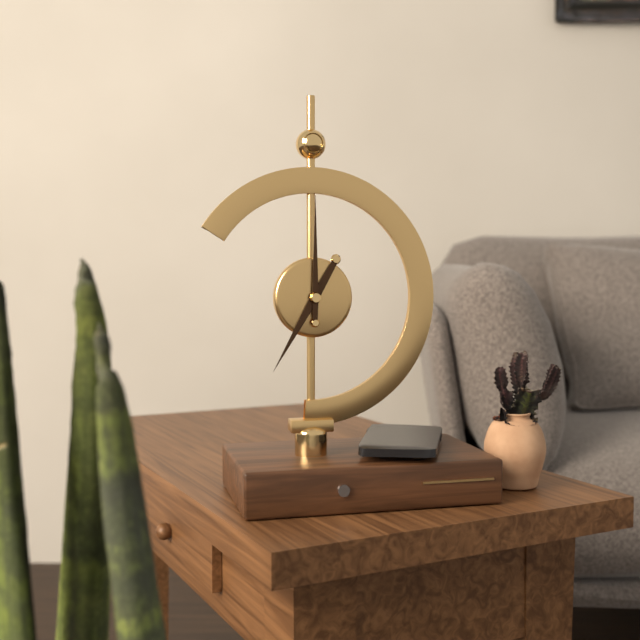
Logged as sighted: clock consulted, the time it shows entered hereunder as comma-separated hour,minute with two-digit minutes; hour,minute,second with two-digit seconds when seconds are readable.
7,00
